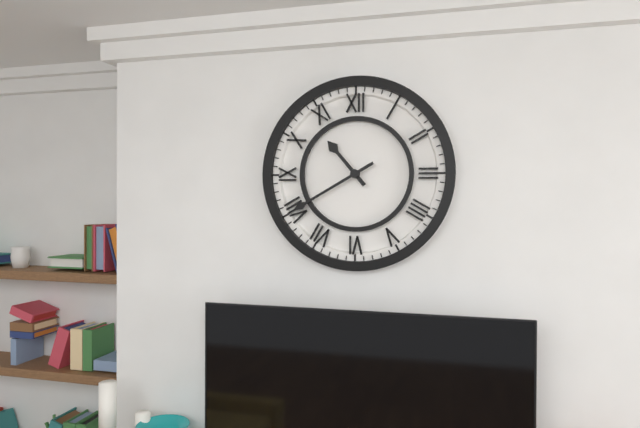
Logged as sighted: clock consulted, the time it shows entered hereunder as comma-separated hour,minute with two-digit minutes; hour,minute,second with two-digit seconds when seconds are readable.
10,40
